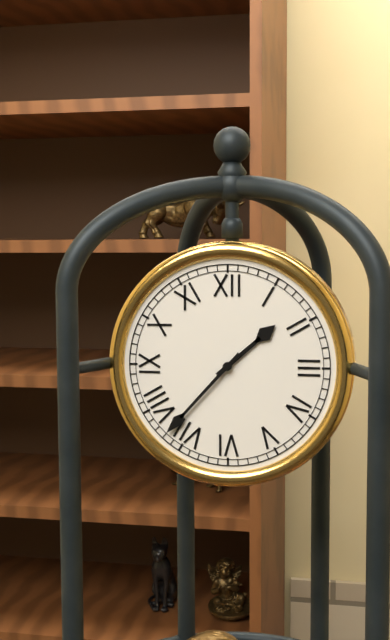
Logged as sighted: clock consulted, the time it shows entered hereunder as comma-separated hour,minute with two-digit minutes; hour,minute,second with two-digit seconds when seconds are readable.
1,37
